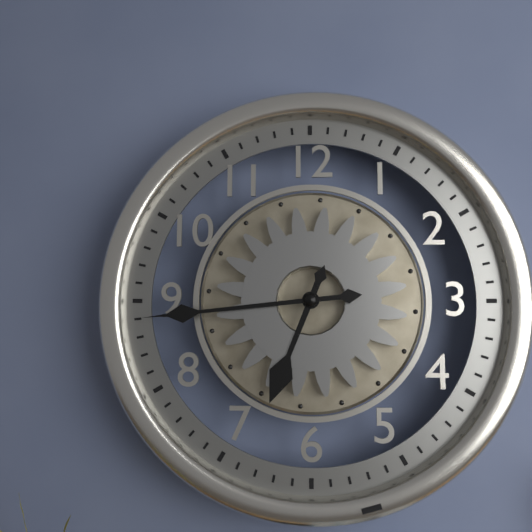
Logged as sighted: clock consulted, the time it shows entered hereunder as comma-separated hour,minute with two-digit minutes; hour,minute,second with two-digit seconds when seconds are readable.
6,44
